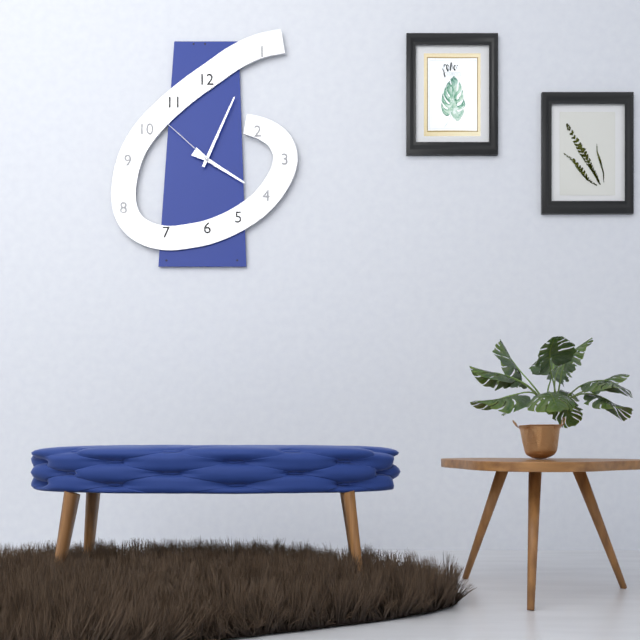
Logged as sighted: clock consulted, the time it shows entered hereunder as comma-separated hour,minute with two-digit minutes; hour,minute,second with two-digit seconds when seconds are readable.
4,04,52
